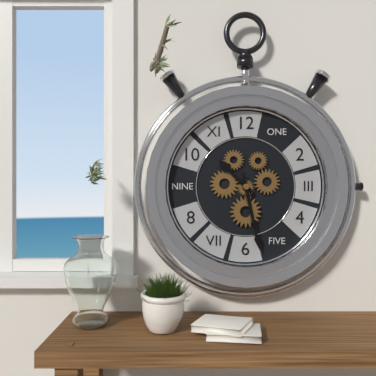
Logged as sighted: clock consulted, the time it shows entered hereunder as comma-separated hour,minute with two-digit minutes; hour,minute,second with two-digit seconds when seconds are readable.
10,28
